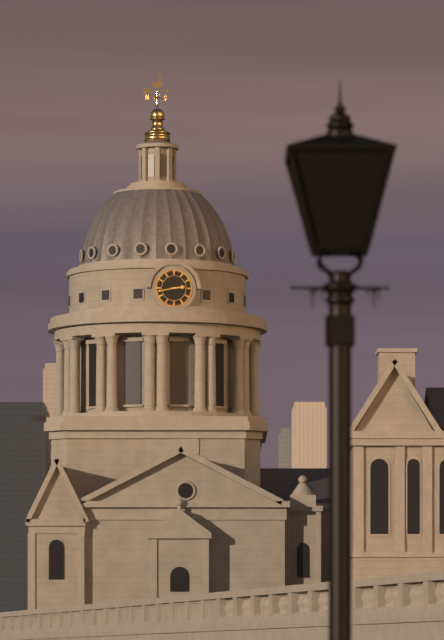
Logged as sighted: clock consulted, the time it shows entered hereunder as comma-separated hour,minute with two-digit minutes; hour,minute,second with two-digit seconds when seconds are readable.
2,43
